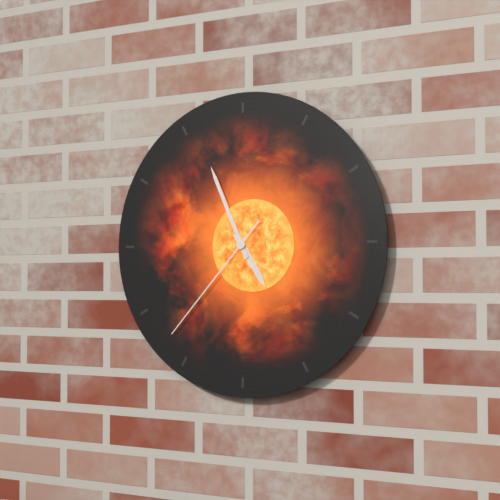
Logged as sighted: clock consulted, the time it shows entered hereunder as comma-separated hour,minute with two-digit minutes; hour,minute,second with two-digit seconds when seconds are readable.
4,56,37
